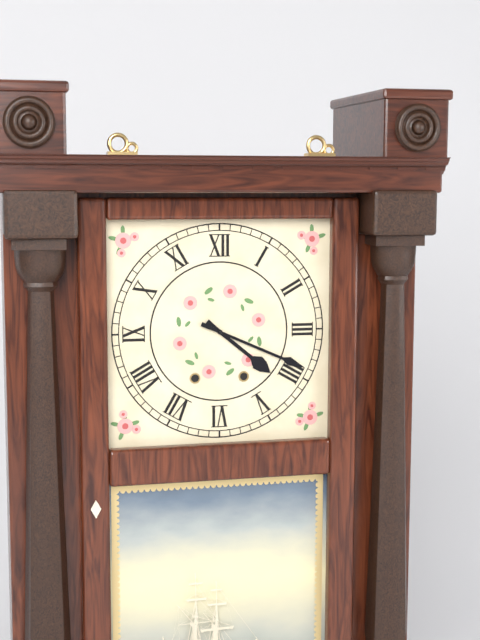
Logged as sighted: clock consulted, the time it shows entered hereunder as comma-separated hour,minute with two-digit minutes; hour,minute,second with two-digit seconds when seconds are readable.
4,19
